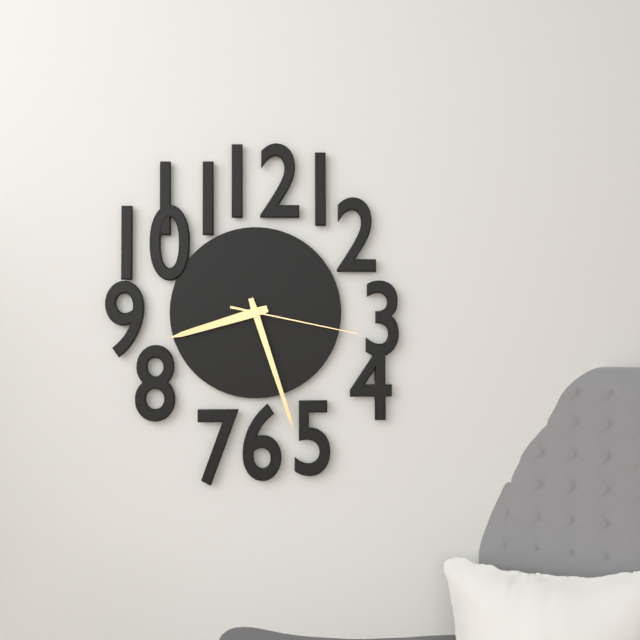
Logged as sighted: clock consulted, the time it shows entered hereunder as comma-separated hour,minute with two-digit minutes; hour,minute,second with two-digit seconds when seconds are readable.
8,27,17
